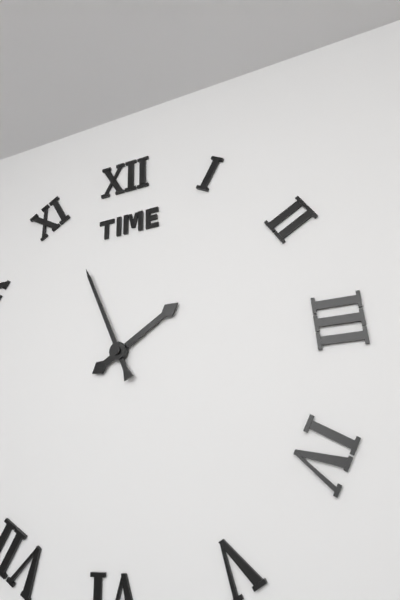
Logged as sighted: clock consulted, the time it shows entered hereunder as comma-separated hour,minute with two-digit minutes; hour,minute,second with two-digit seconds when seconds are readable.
1,56
